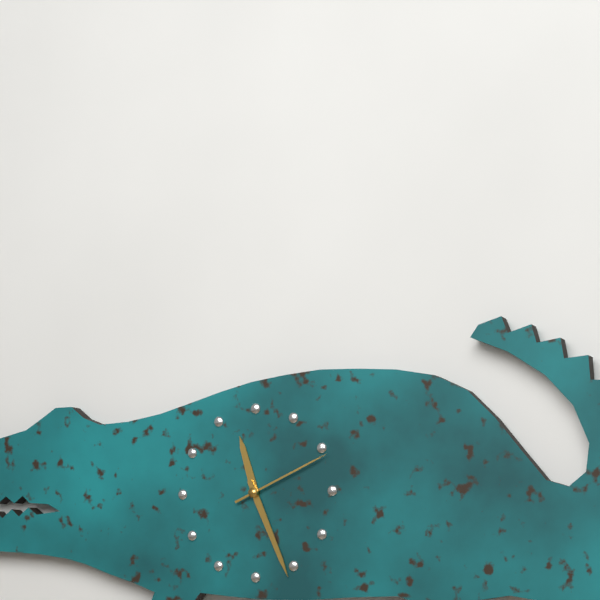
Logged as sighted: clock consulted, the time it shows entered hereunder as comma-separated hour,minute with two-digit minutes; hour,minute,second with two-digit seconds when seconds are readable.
11,26,11
